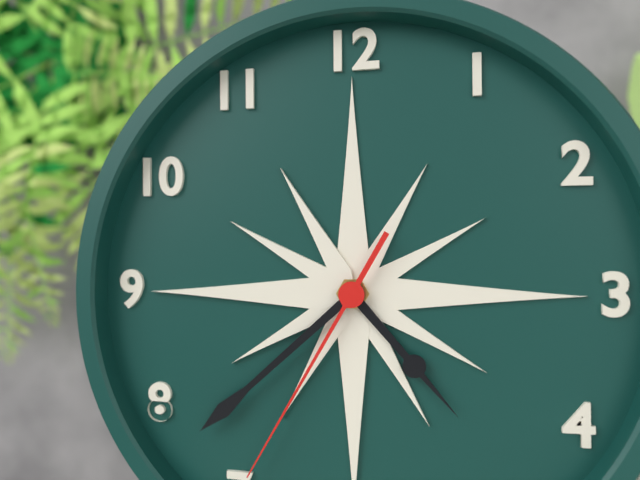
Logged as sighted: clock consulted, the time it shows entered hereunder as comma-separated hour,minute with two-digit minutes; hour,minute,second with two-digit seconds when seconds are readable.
4,38,35
